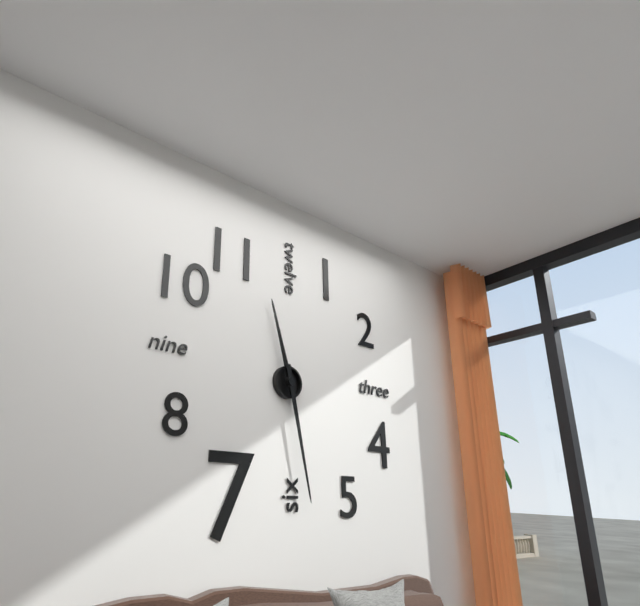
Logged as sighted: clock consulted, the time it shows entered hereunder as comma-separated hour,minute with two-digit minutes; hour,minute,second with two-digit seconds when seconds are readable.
11,28
